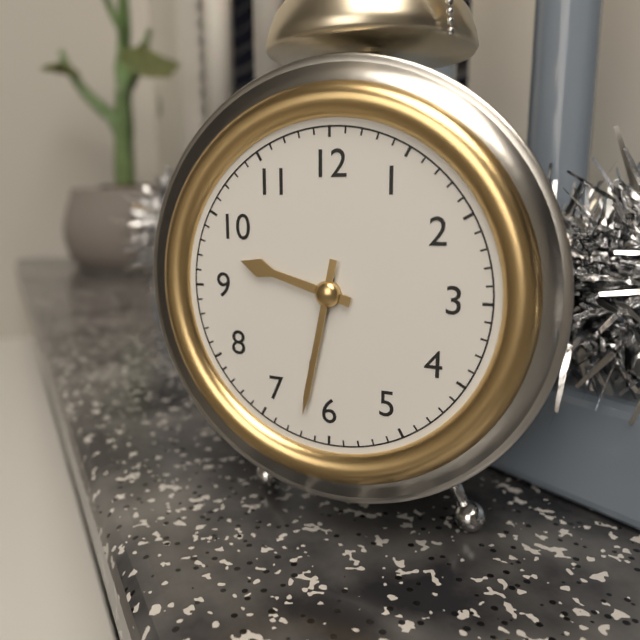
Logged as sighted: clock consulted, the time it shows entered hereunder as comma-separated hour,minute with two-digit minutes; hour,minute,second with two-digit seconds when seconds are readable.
9,32
